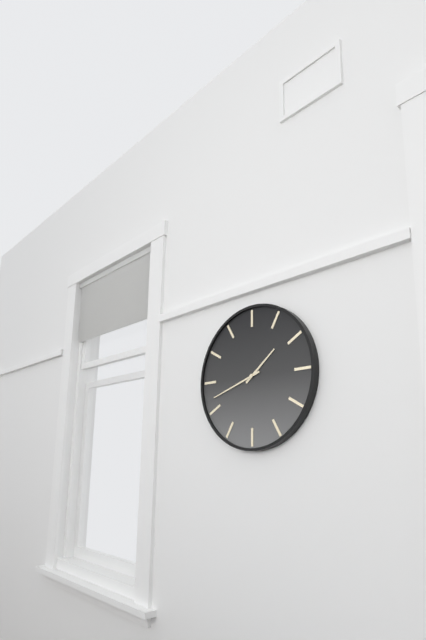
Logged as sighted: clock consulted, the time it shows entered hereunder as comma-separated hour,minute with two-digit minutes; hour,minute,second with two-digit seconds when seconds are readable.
1,42
